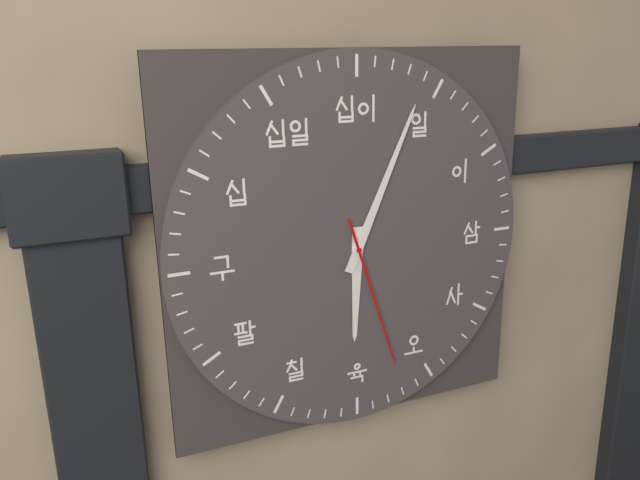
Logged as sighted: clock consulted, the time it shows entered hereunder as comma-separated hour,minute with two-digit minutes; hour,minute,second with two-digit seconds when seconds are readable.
6,04,27
